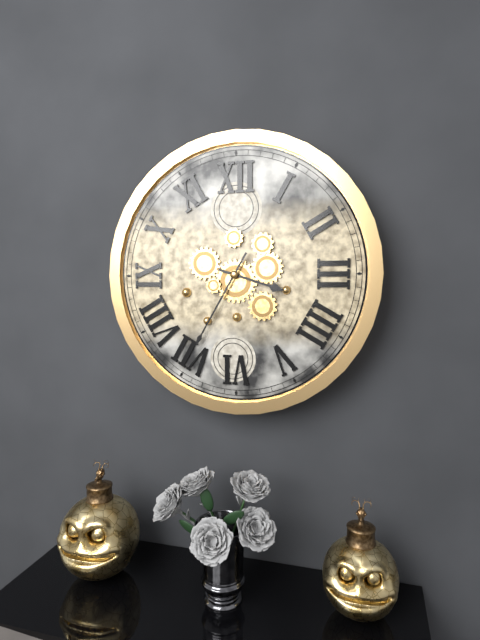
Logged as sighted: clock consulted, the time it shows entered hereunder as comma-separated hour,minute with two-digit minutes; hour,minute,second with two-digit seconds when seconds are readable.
3,35
